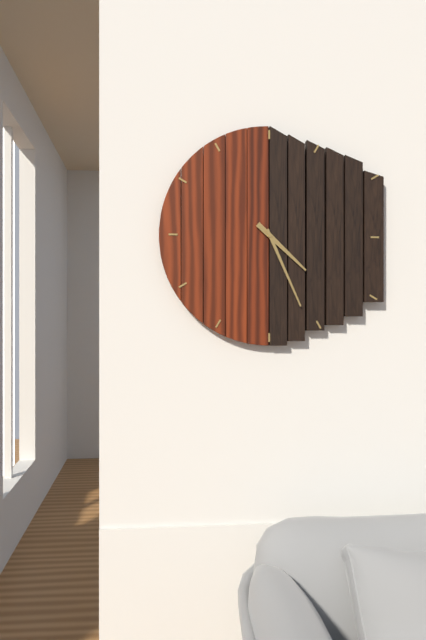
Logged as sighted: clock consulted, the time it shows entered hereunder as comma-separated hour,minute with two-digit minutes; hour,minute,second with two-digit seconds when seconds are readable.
4,26
